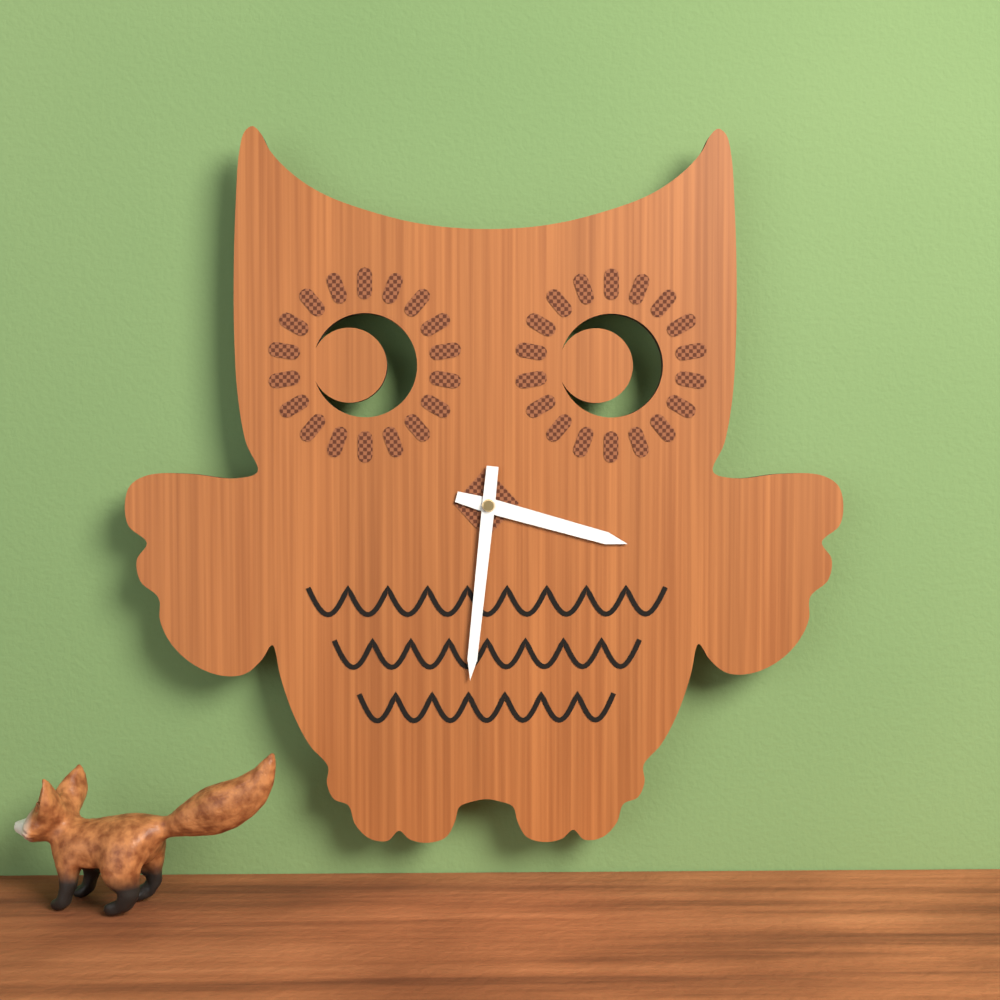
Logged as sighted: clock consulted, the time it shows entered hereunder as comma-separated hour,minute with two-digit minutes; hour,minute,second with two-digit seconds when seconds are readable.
3,31
